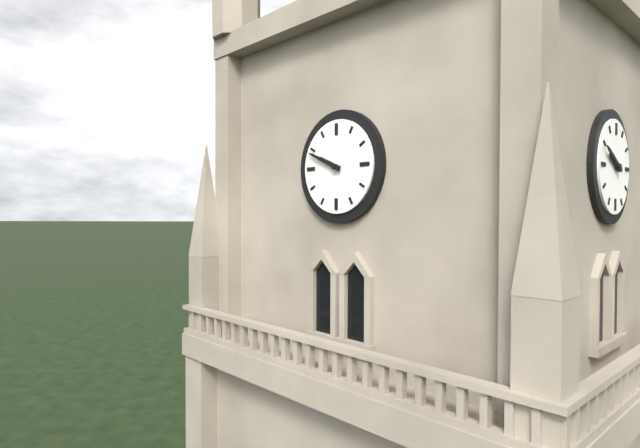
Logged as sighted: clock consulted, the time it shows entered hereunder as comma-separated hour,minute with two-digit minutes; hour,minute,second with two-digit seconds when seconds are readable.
9,49
